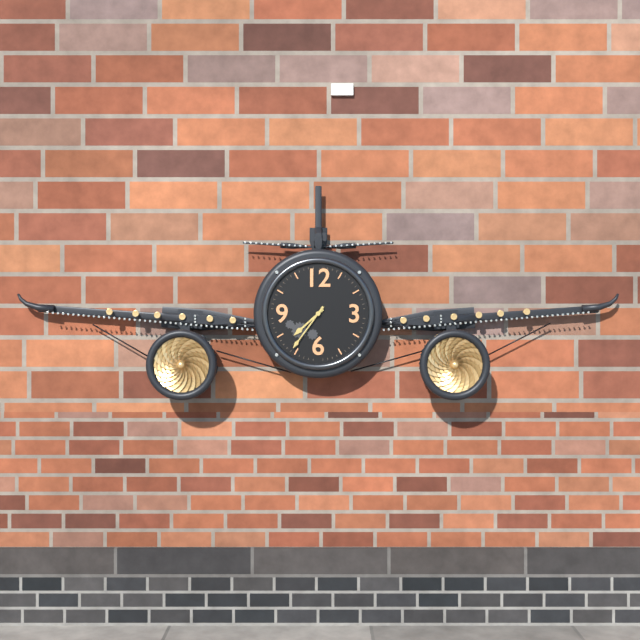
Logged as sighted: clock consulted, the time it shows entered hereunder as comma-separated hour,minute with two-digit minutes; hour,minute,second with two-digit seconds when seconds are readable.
7,36
